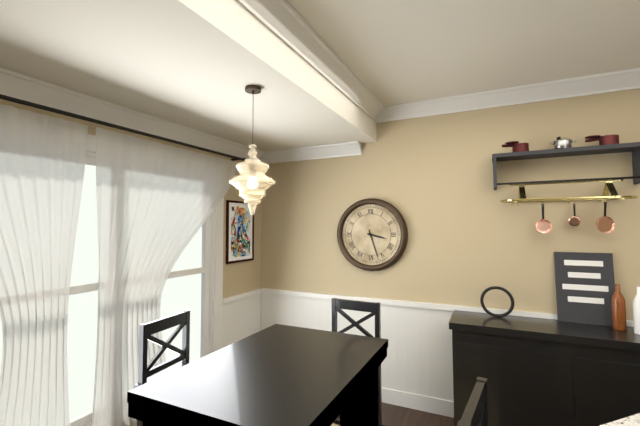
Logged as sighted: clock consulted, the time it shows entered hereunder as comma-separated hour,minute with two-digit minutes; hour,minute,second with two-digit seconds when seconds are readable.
3,27
